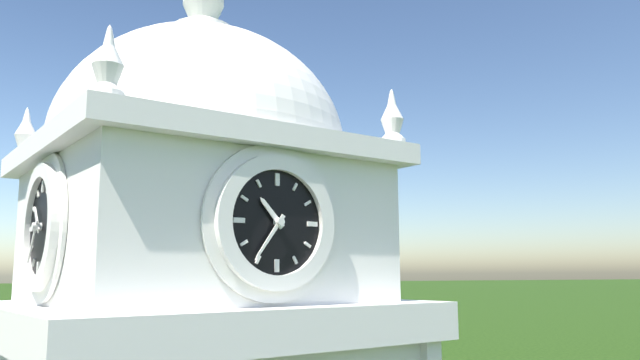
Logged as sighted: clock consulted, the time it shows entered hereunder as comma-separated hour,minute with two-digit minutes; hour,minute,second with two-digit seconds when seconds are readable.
10,36
